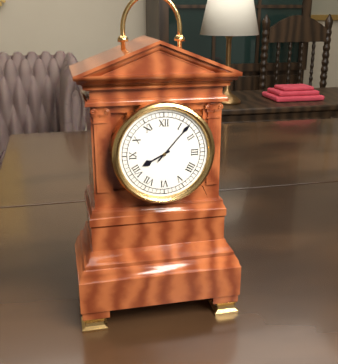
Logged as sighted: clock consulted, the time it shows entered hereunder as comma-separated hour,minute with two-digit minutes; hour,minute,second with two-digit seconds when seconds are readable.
8,07
